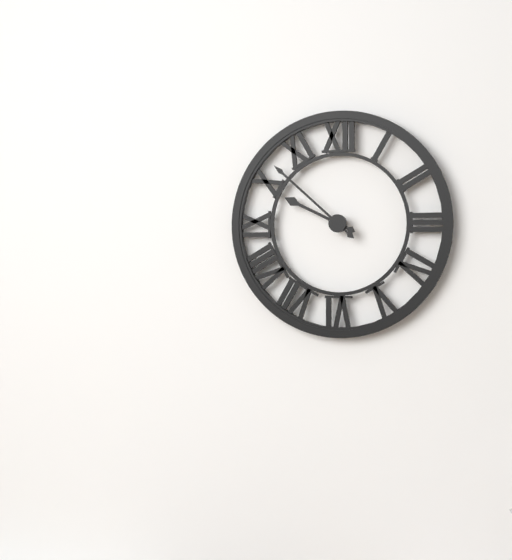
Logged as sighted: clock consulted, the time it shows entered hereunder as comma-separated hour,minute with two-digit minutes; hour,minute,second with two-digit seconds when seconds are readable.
9,52
